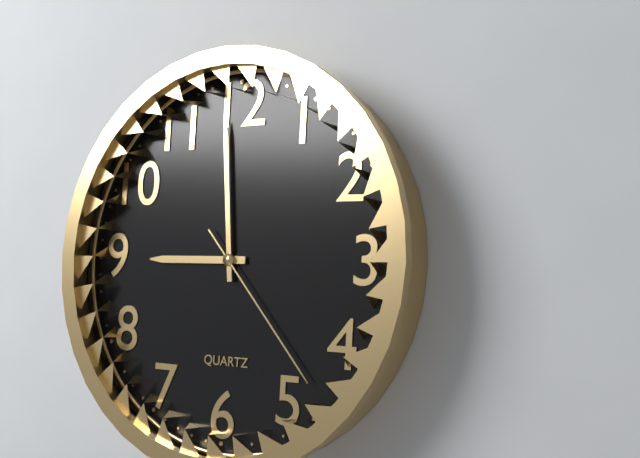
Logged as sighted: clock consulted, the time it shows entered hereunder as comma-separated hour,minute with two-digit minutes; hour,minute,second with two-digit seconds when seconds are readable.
8,59,23
